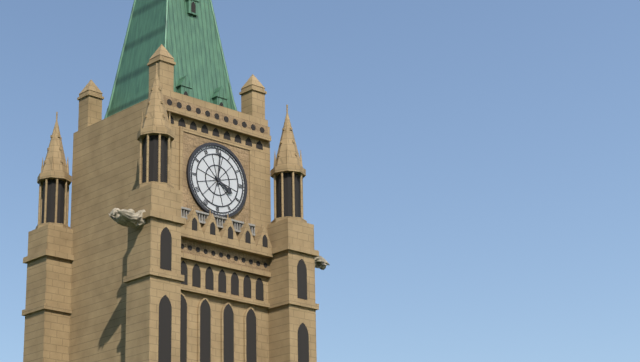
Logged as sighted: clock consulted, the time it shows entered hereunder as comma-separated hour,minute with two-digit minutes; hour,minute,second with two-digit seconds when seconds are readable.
4,01
